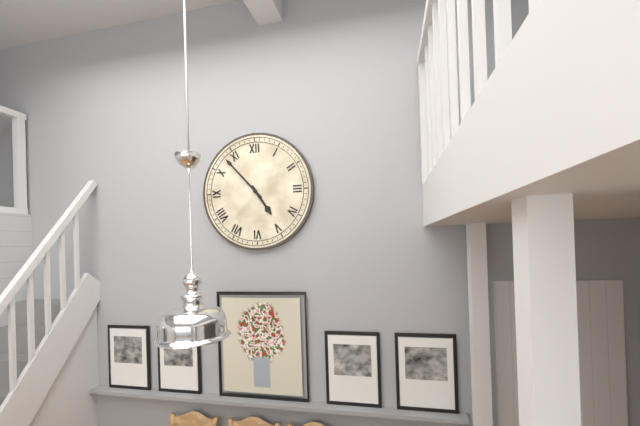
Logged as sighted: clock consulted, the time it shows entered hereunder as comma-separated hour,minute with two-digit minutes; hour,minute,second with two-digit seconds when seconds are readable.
4,53
